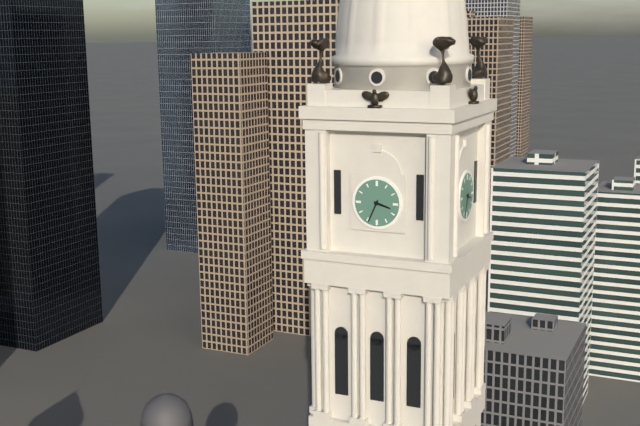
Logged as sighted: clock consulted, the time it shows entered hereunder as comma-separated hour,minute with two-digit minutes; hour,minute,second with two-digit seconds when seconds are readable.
3,34
